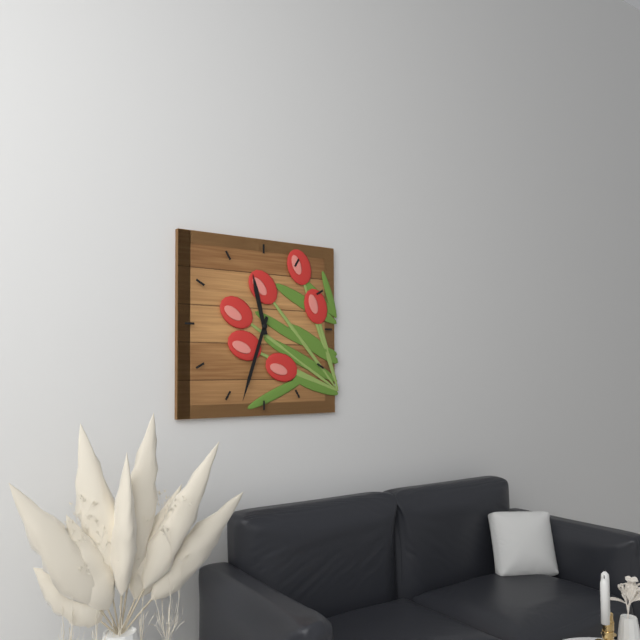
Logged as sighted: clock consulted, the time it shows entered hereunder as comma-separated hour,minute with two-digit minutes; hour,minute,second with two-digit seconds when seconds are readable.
11,33
